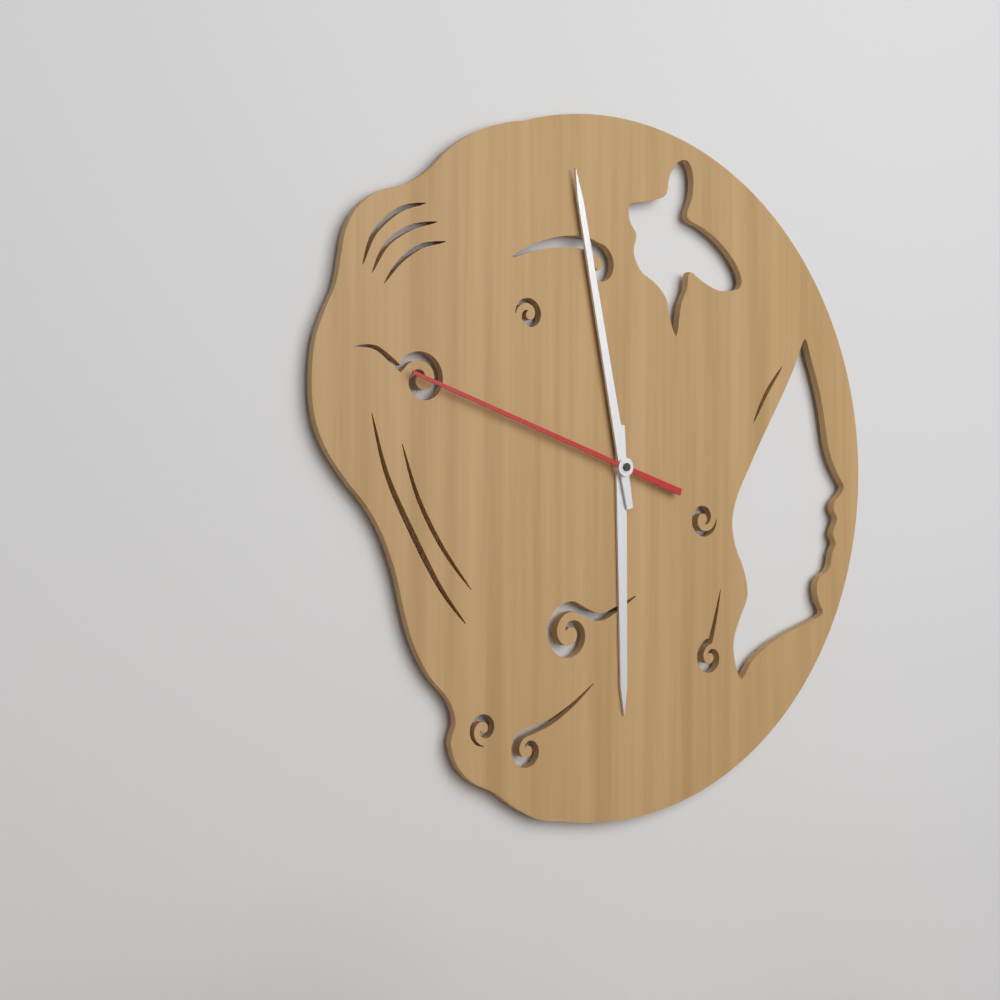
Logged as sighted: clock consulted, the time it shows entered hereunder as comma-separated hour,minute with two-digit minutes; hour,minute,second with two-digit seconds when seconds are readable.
5,58,48
